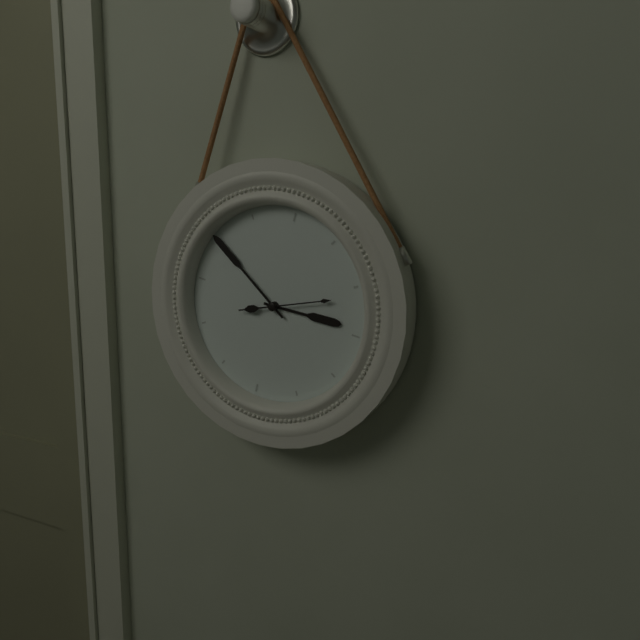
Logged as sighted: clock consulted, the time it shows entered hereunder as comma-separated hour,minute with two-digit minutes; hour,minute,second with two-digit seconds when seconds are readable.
2,50,11
